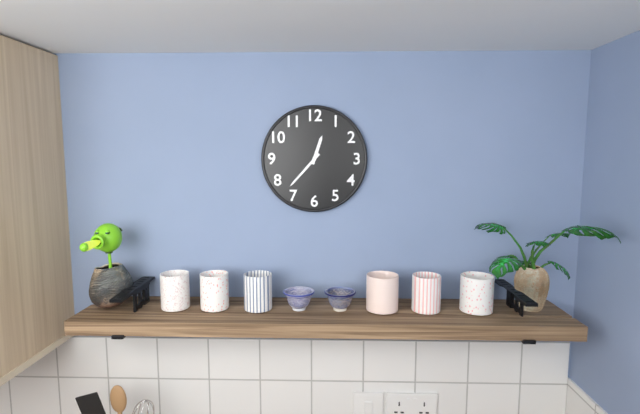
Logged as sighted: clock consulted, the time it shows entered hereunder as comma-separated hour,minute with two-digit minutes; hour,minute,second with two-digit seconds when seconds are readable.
12,37
